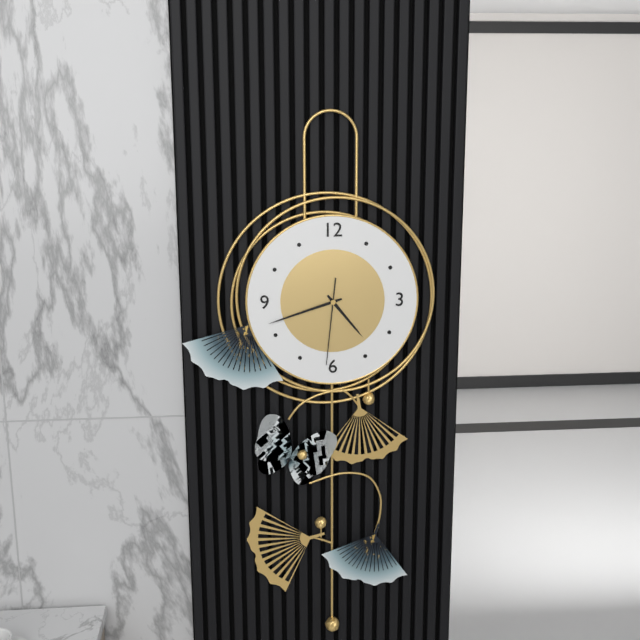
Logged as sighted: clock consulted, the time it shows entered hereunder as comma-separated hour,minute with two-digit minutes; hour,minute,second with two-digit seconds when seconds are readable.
4,42,31
